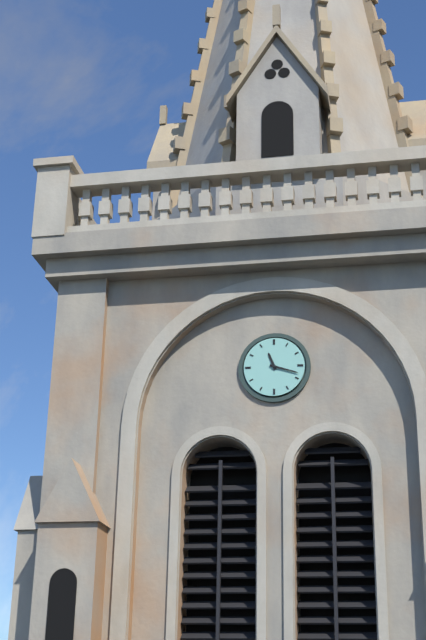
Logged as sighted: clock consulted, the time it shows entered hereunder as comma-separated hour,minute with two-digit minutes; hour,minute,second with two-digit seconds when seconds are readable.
11,18
